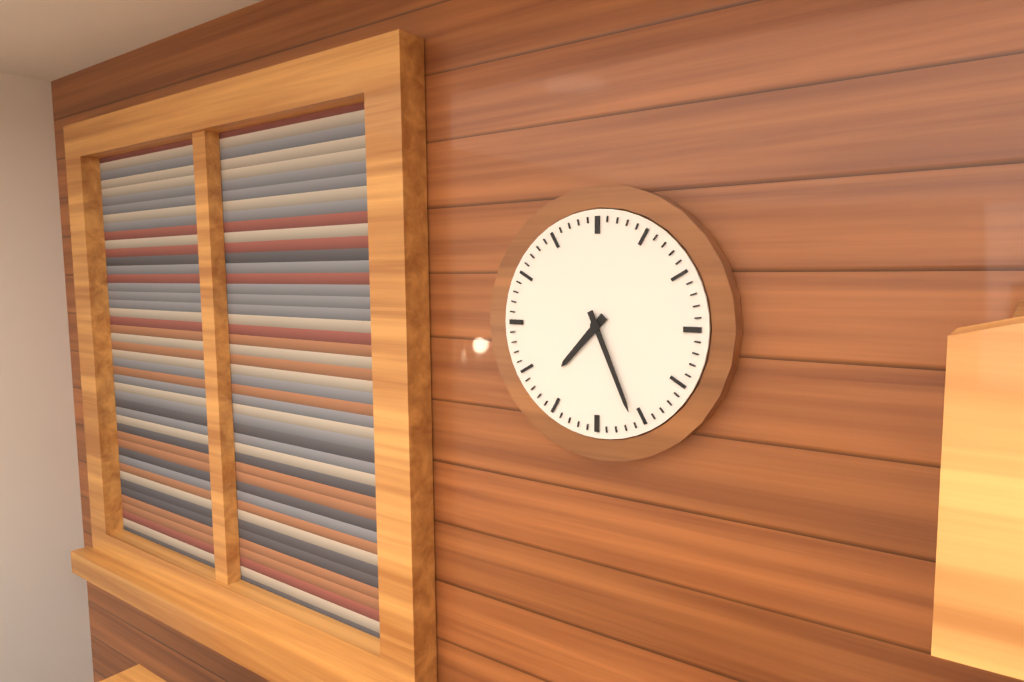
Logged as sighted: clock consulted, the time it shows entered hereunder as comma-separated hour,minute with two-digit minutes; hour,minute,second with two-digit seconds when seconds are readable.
7,26
